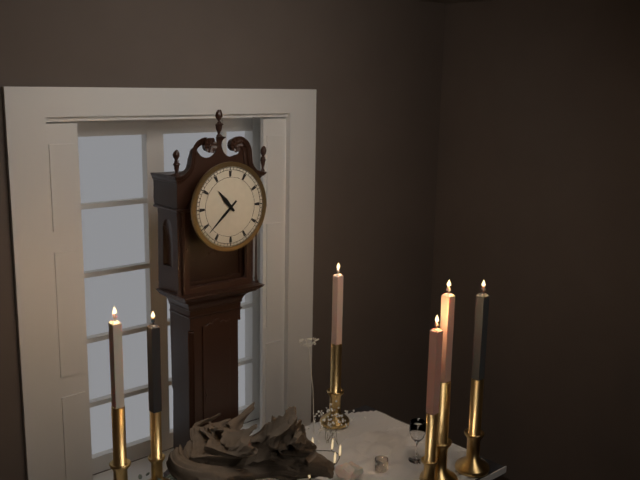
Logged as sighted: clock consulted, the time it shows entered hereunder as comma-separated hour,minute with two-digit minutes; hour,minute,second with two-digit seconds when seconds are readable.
10,38
